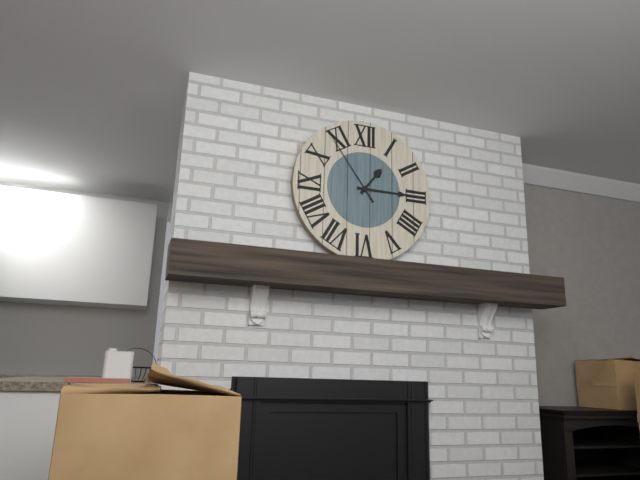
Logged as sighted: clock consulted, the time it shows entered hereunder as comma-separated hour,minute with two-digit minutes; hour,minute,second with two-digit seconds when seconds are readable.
1,15,54
